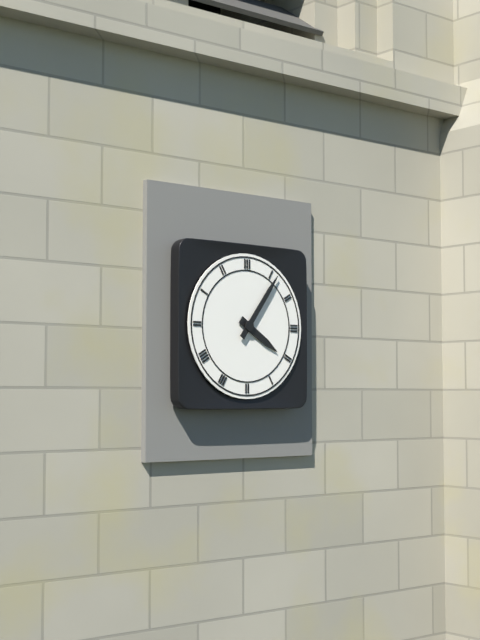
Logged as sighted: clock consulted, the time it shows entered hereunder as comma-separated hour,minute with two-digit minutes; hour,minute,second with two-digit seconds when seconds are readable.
4,06
